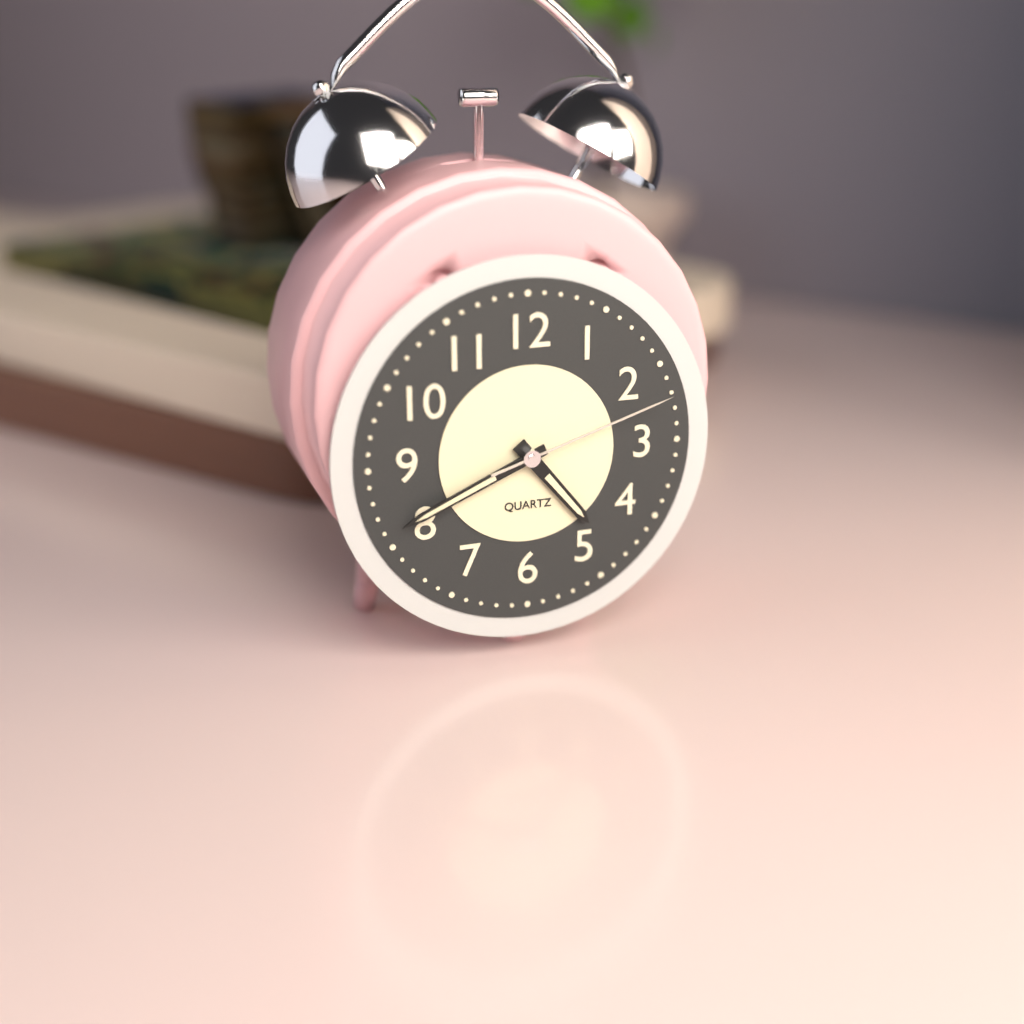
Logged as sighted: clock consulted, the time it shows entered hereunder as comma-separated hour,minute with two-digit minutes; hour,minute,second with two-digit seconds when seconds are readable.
4,41,12
